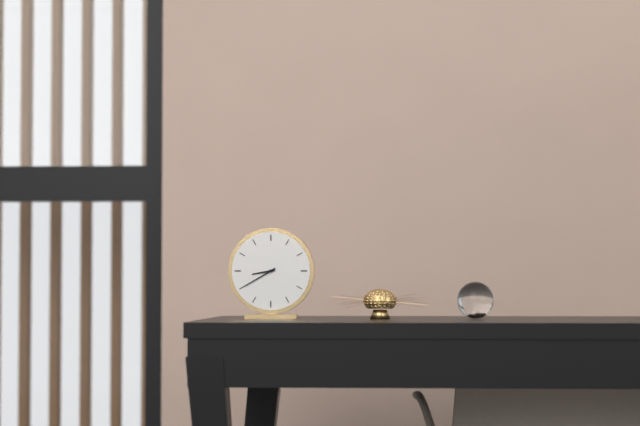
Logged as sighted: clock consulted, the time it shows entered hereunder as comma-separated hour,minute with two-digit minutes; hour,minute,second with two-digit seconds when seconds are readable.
8,40
